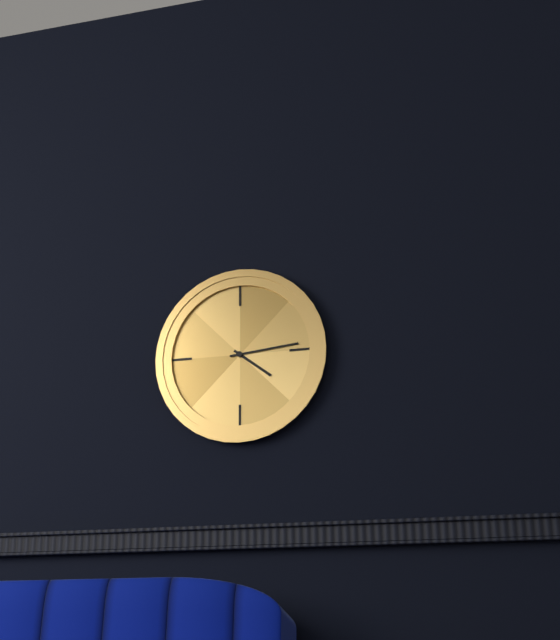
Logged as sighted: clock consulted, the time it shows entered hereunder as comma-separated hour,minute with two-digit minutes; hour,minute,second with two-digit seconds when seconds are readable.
4,14
